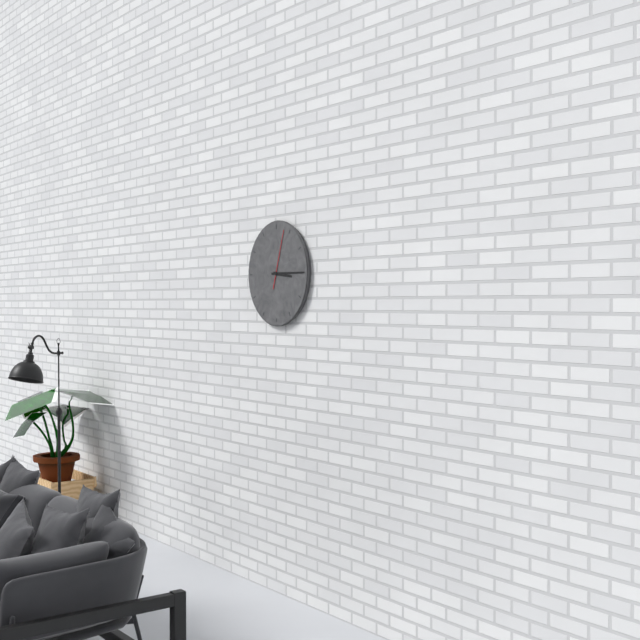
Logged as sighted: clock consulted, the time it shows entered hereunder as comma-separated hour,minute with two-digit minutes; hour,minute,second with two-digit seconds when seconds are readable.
3,15,03
